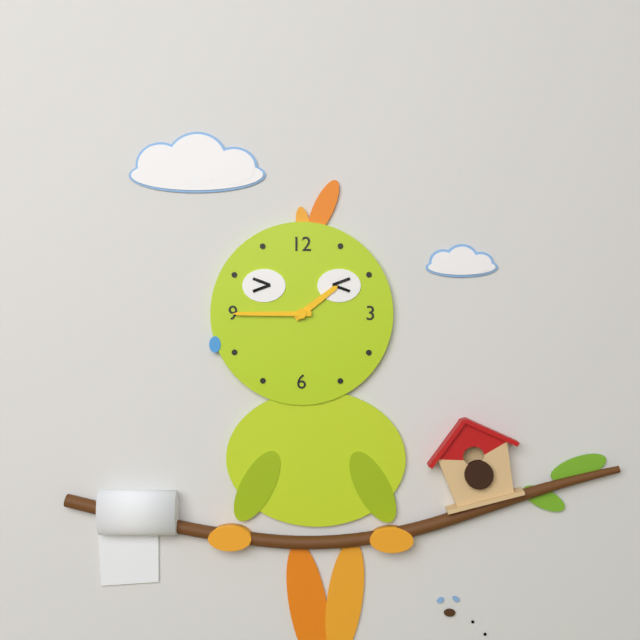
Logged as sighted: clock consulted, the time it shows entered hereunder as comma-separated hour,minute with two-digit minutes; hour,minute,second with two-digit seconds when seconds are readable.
1,45
